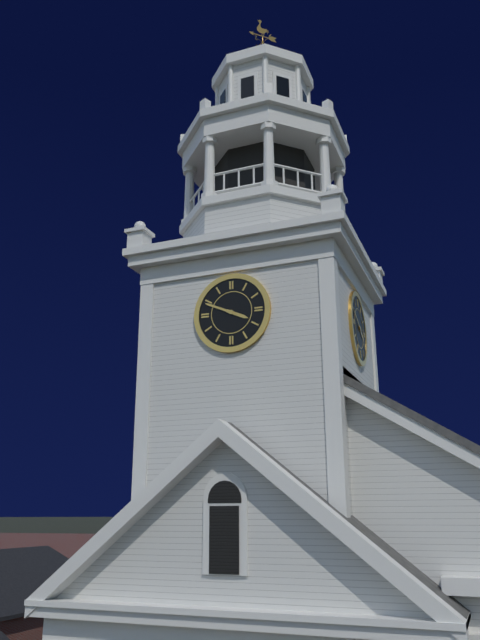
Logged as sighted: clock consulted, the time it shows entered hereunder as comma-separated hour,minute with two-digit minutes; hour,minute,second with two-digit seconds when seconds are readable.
3,49
